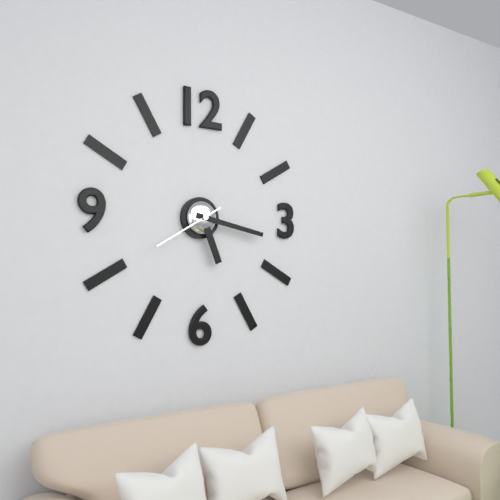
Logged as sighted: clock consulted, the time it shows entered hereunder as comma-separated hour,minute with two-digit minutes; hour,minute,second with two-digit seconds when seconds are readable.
5,17,40
